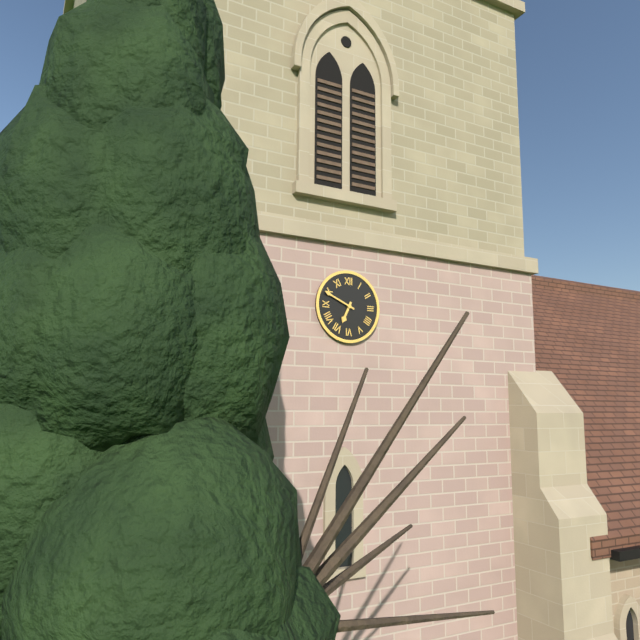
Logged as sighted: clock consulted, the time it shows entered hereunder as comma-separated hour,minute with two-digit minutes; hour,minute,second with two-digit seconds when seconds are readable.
6,49
